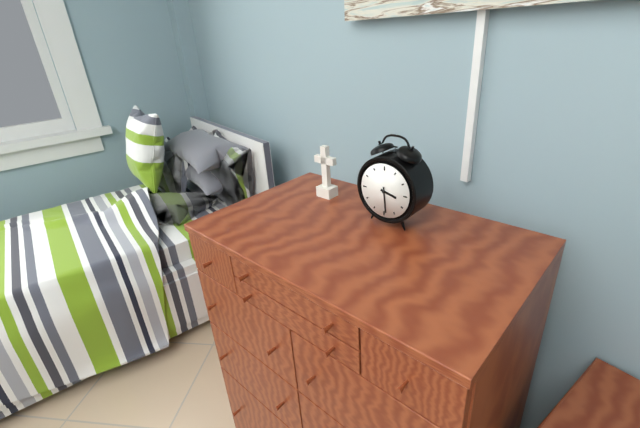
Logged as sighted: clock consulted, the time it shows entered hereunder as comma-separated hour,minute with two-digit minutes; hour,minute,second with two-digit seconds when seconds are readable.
3,29
